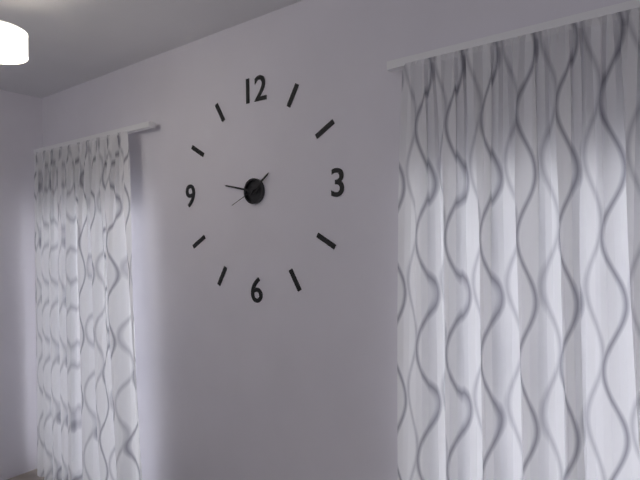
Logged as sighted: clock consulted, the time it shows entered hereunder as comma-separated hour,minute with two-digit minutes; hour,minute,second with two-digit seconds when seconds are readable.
1,47
